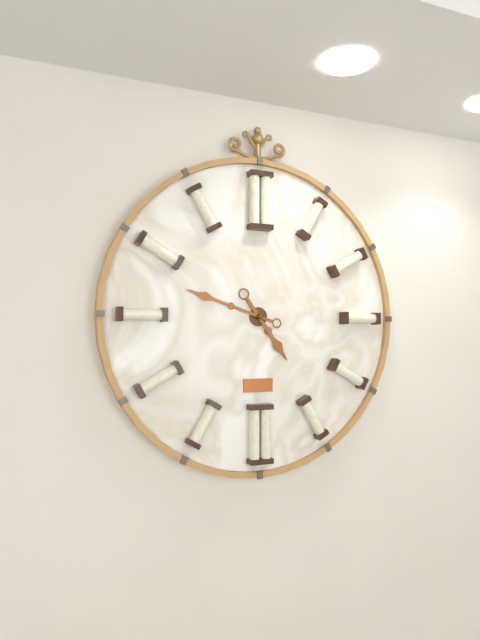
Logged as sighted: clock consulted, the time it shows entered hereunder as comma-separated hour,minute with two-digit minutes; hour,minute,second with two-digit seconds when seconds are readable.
4,48
